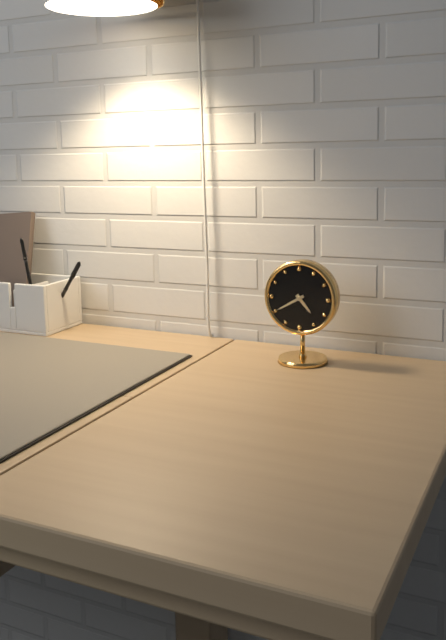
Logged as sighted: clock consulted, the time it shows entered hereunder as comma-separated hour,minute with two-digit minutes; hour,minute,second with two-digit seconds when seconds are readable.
4,40
